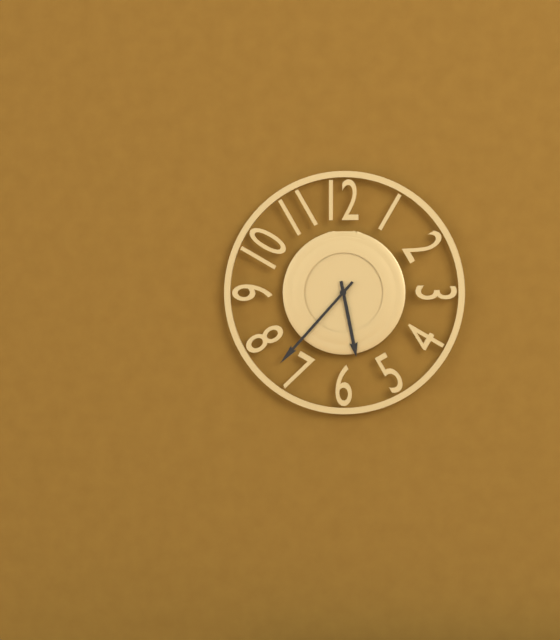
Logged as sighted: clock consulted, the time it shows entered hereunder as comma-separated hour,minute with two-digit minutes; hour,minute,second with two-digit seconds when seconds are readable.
5,37
